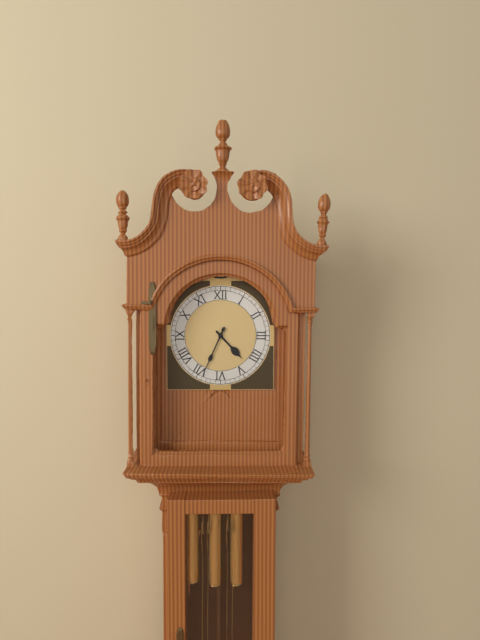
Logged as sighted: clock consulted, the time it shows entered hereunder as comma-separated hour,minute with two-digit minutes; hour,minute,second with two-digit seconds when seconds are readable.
4,34
